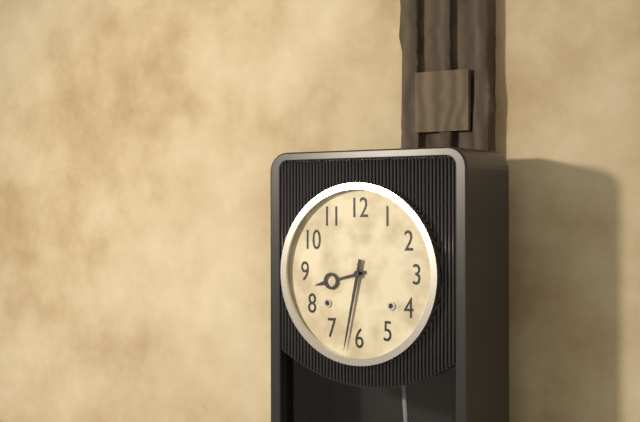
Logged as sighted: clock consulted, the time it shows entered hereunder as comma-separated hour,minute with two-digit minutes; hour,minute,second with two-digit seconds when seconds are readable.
8,32
